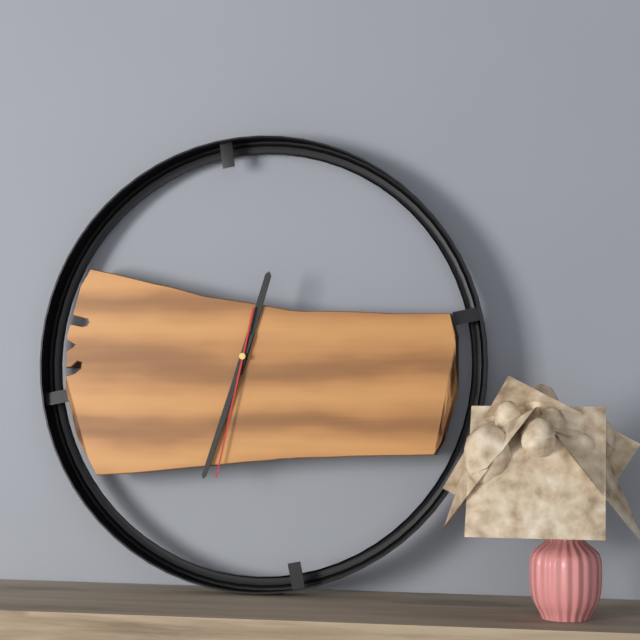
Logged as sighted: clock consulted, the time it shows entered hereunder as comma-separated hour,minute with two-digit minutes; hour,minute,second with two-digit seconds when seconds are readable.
12,33,32
